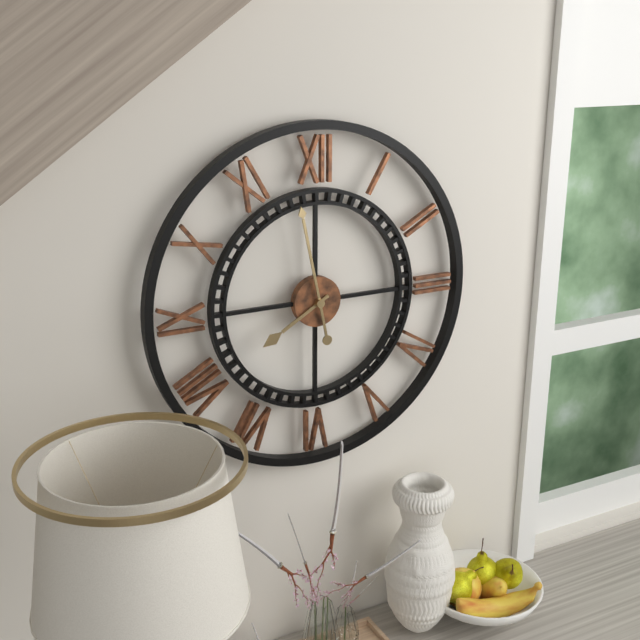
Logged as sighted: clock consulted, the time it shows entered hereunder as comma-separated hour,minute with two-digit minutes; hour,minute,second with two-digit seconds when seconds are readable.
7,58
